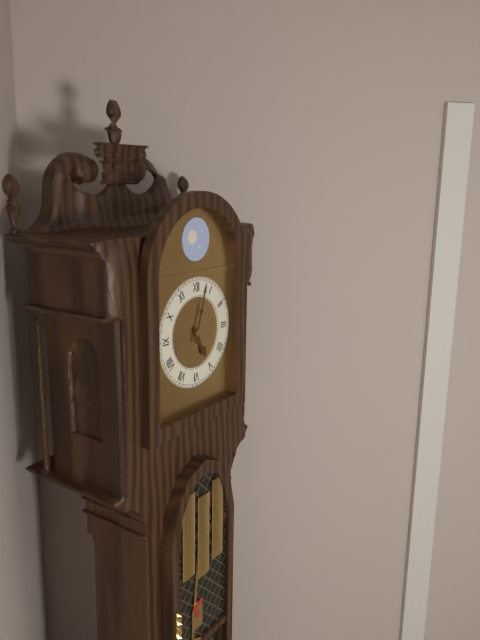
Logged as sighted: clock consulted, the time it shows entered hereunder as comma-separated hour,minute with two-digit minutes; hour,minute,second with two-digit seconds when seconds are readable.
5,03
